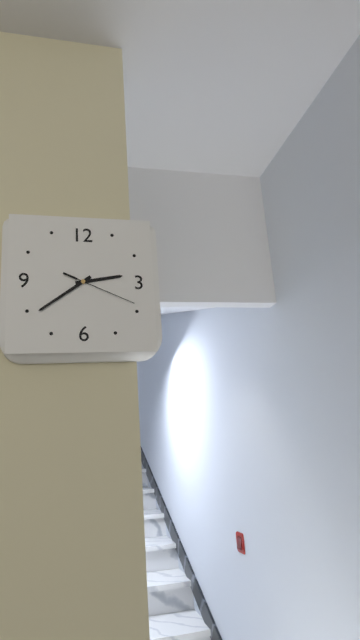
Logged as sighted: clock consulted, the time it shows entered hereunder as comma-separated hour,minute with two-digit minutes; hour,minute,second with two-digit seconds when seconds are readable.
2,39,19
